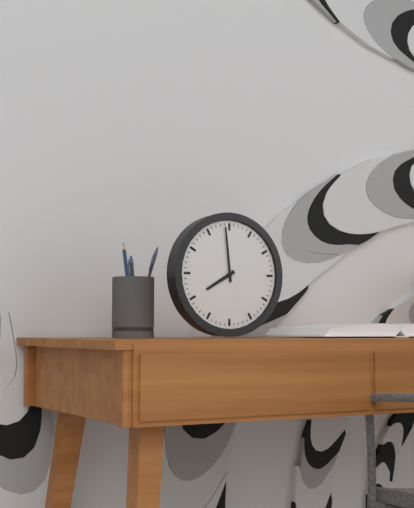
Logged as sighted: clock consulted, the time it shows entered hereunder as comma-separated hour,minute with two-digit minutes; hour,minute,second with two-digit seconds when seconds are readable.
7,59
